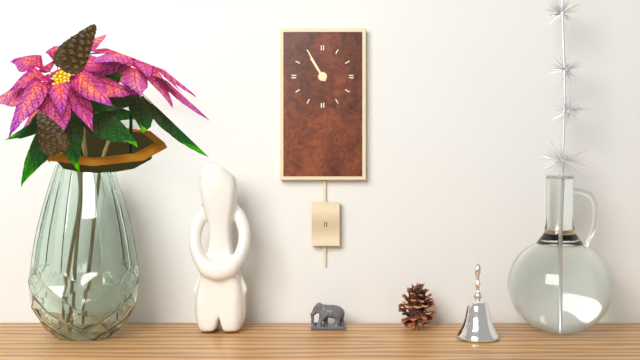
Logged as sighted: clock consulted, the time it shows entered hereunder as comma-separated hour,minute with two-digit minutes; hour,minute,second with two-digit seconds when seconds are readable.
10,55
